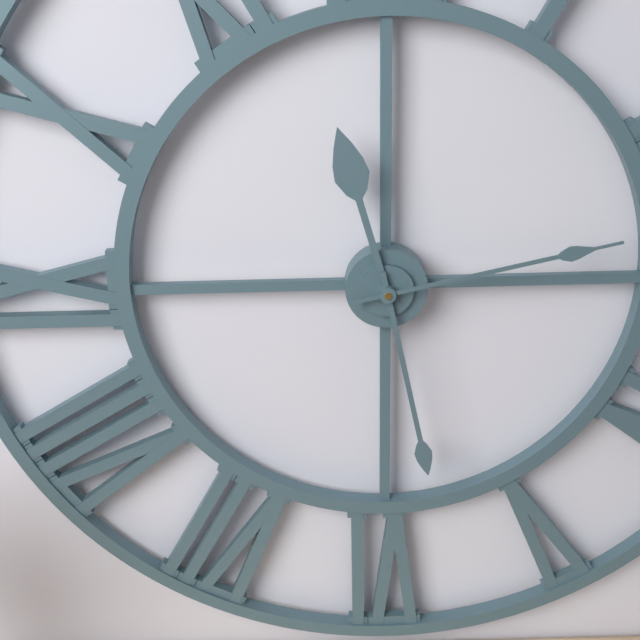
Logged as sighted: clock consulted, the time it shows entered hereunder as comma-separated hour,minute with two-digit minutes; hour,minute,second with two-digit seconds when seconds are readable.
11,28,13
